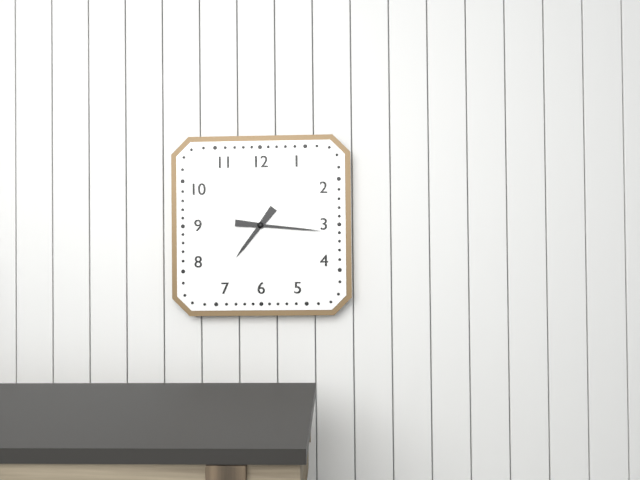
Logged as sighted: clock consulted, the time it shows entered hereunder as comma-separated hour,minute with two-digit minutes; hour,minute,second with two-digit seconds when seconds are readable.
7,16
